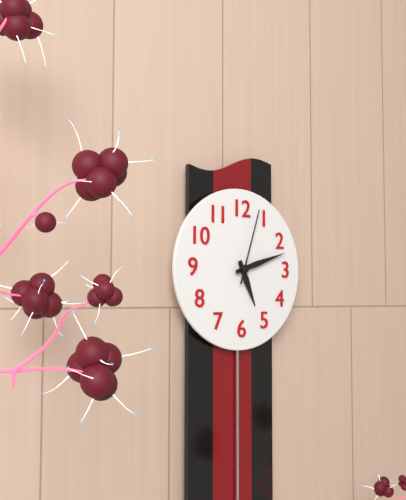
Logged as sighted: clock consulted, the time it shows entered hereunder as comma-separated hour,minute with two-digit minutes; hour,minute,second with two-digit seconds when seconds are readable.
5,12,03
